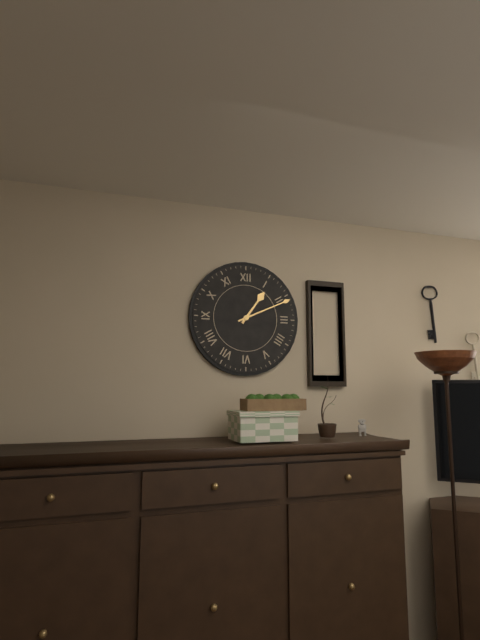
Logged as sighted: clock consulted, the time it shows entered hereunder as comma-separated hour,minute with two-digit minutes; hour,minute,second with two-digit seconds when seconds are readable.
1,11
